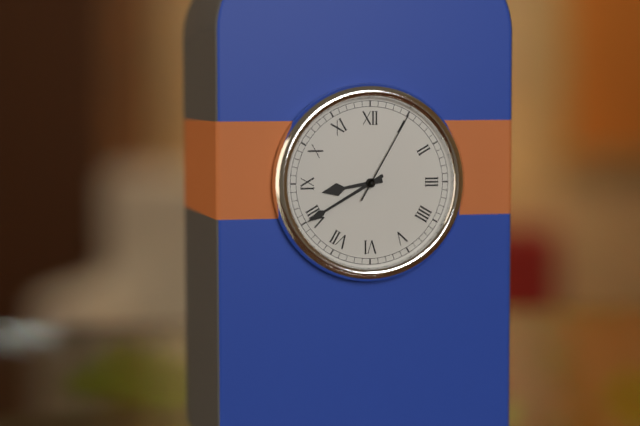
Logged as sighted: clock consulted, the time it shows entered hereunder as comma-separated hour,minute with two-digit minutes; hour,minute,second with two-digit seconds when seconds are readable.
8,40,05
